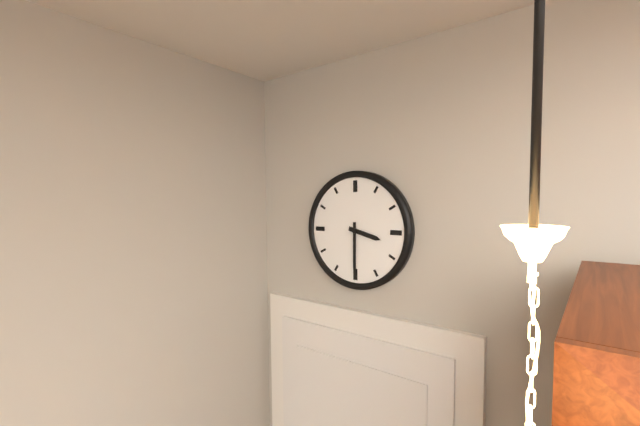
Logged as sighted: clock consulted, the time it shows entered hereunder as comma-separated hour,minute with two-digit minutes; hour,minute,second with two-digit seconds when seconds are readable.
3,30
